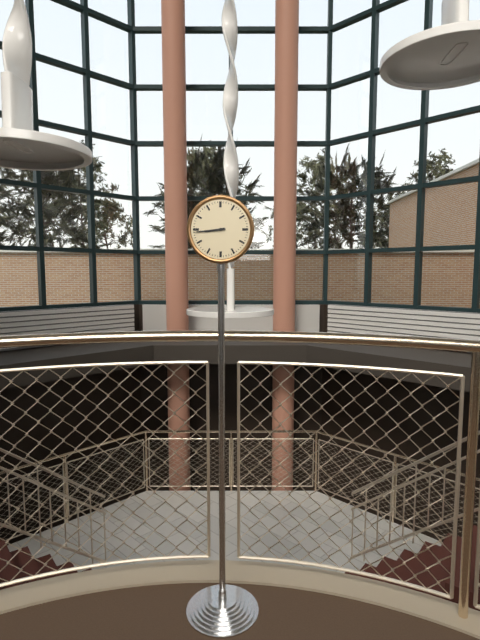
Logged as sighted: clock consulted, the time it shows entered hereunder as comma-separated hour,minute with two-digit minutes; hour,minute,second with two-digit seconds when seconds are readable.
8,44
